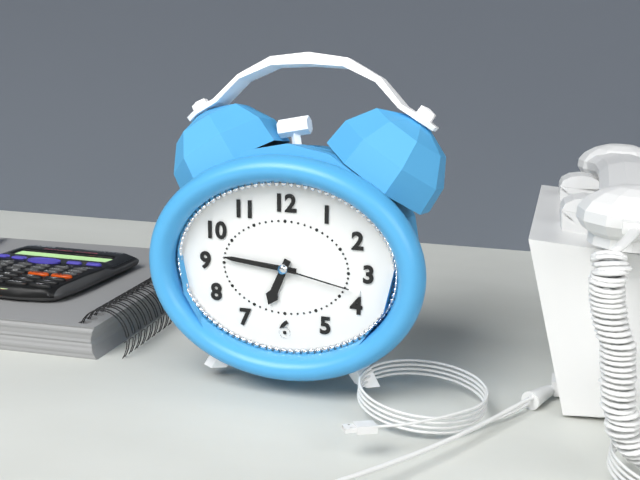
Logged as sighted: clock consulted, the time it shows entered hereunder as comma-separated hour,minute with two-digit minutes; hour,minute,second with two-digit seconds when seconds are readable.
6,46,17
